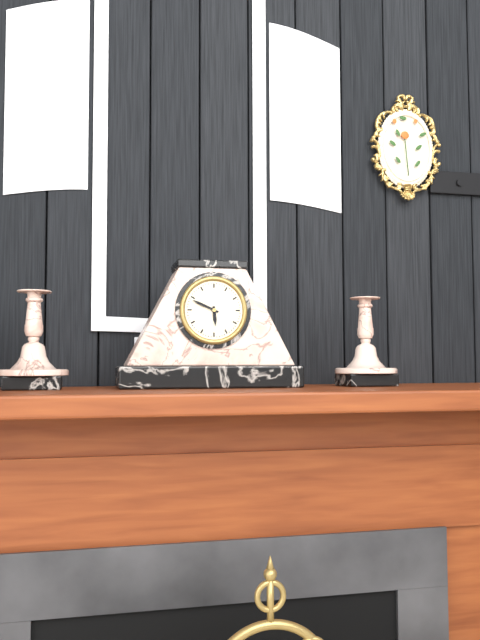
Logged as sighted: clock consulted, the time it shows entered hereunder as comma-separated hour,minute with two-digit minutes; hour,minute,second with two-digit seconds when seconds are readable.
5,49
